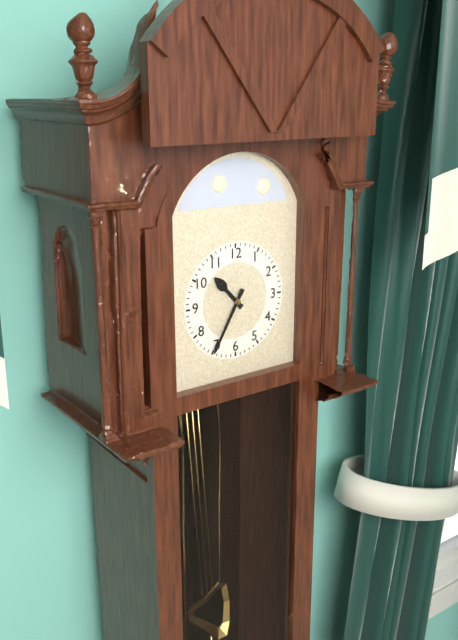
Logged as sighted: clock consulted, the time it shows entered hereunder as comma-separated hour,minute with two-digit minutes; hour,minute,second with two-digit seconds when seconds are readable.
10,35
